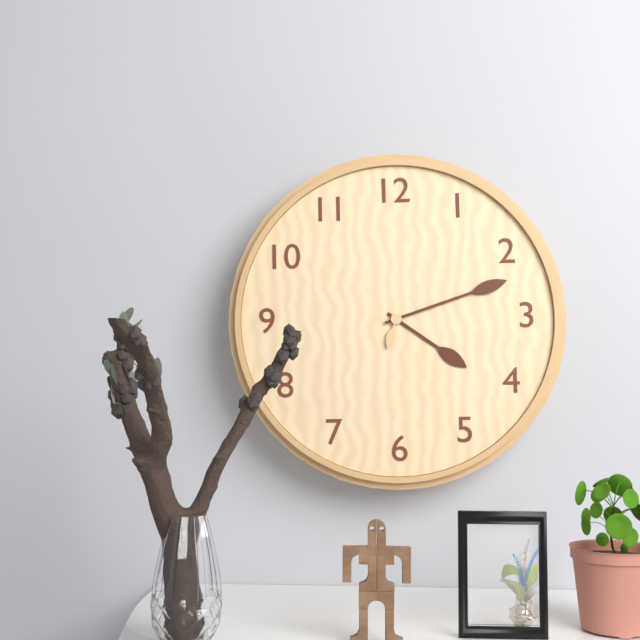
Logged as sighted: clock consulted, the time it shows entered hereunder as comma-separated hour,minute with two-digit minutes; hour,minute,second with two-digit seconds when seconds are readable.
4,12
